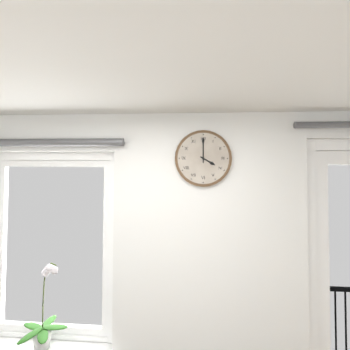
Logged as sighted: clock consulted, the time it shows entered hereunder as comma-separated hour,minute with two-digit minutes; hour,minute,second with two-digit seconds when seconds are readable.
4,00
